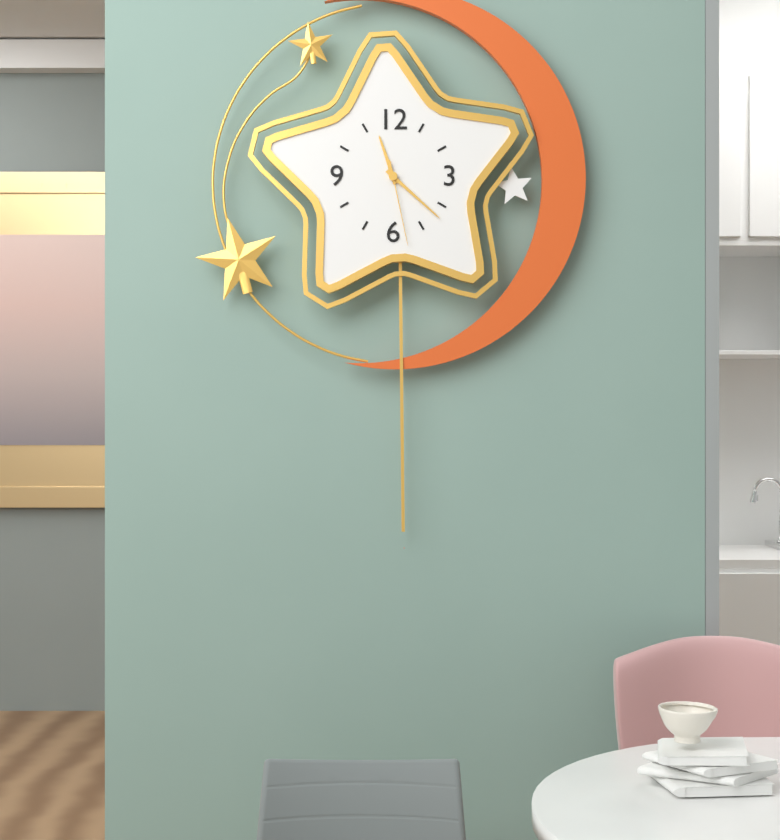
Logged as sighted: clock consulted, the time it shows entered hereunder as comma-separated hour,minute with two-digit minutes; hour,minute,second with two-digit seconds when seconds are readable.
11,22,28
